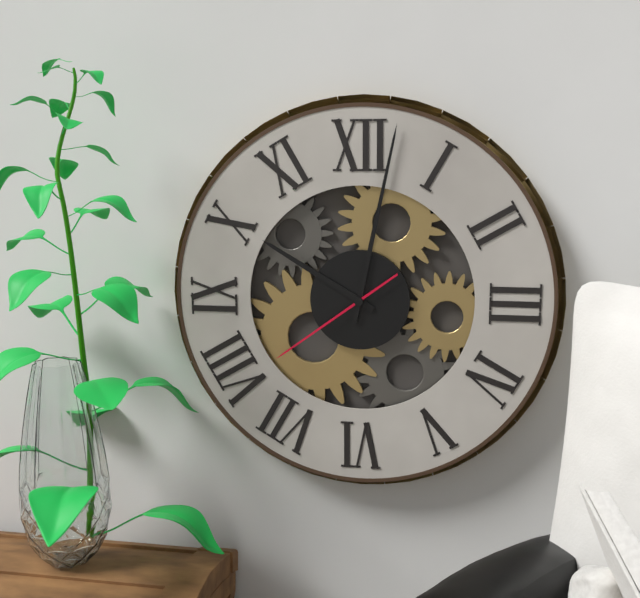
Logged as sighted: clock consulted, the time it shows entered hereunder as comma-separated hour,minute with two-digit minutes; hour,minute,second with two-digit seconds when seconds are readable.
10,02,39
